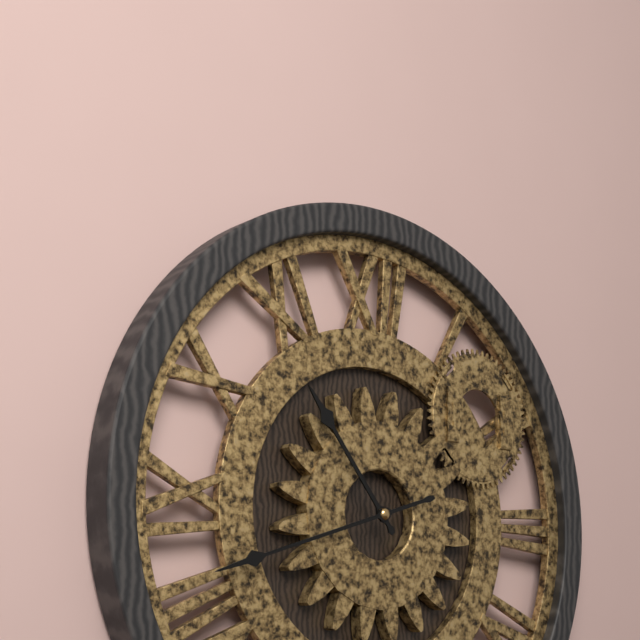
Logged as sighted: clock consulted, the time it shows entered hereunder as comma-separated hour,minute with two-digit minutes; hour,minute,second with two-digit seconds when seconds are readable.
10,42
